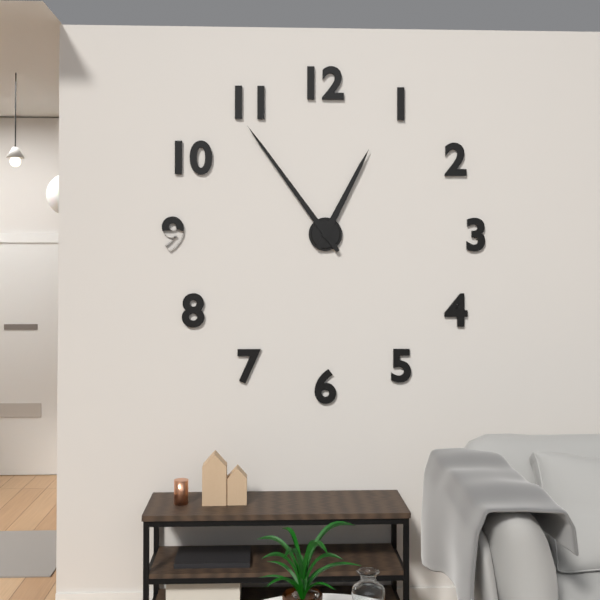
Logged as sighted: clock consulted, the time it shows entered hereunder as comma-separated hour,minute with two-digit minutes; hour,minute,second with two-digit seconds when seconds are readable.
12,54
